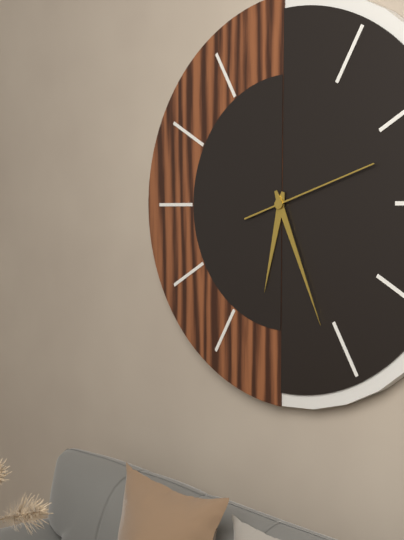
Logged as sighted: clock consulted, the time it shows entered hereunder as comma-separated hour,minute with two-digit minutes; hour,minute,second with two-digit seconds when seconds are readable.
6,26,12
